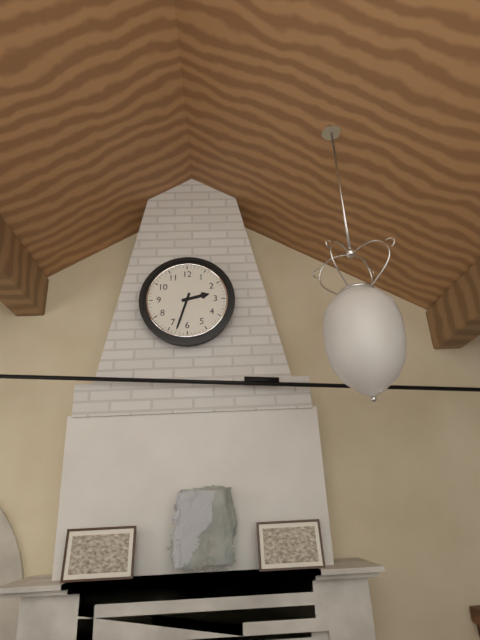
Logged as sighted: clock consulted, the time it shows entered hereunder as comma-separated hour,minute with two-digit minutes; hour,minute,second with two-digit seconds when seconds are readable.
2,33
